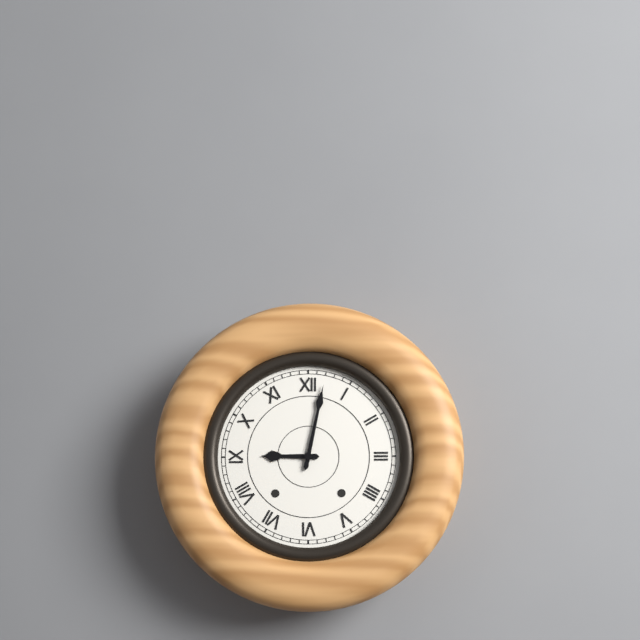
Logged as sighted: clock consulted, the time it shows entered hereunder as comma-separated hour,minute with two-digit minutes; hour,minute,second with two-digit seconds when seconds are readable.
9,02
